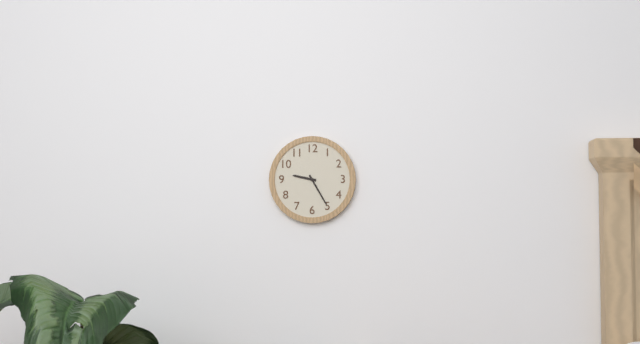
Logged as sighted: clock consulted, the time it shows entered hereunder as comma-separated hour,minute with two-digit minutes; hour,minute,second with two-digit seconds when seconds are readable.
9,25
